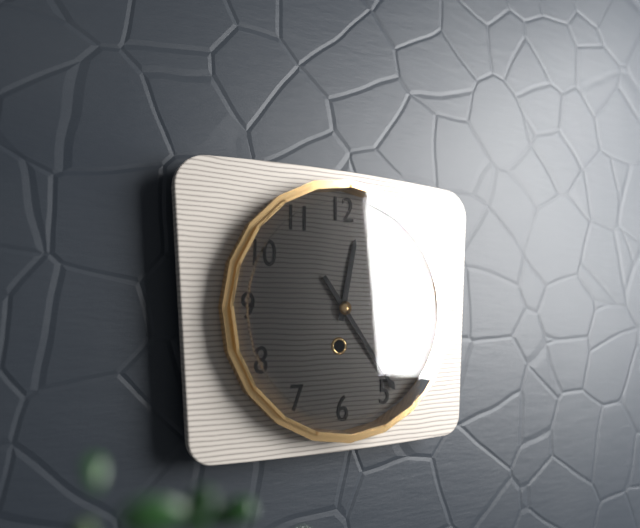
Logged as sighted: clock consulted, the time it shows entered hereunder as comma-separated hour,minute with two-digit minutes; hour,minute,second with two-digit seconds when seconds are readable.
12,24
